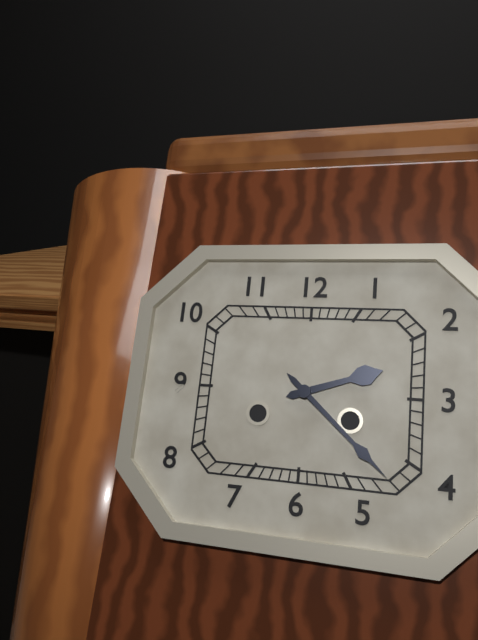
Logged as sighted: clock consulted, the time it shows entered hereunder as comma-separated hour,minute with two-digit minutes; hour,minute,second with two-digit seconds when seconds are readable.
2,22
